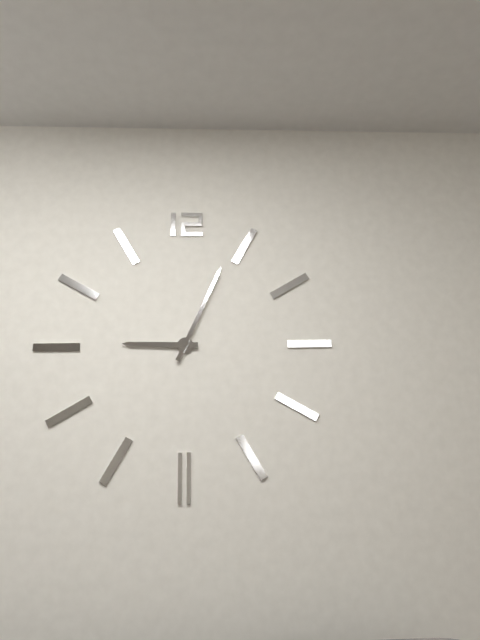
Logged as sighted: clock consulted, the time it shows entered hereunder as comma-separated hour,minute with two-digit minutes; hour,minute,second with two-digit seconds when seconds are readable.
9,04
